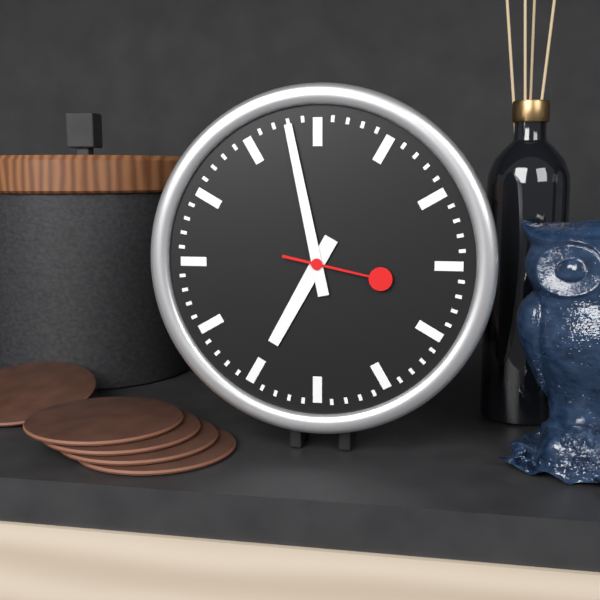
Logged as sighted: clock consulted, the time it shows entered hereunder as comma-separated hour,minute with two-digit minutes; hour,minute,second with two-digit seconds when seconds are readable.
6,58,17
